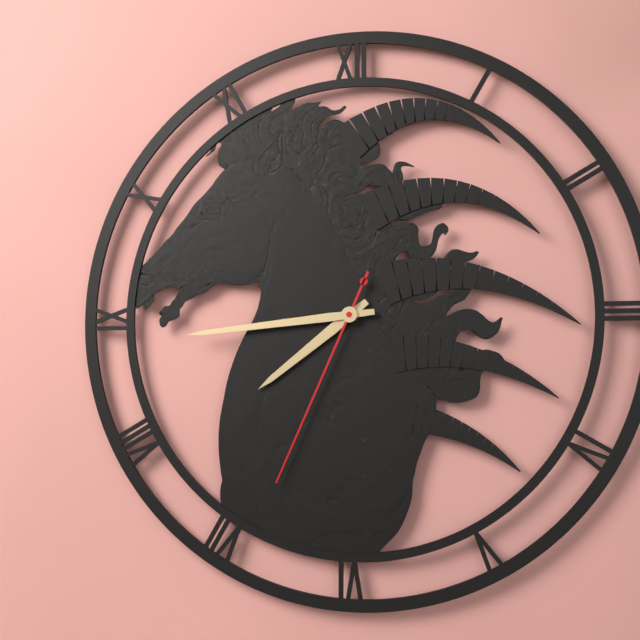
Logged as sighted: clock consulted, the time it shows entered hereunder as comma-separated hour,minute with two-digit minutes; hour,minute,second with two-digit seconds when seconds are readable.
7,44,34
